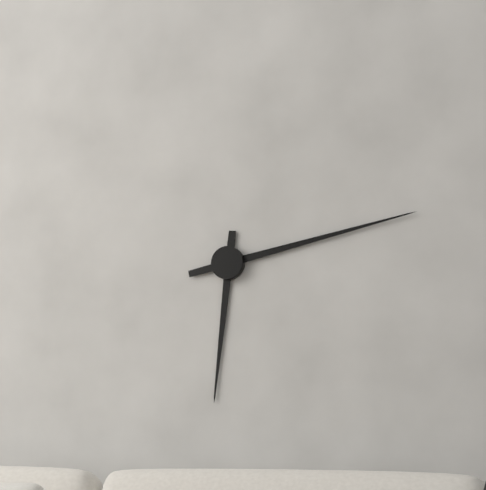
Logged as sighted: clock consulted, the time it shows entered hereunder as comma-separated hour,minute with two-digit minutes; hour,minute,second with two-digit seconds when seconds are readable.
6,13
